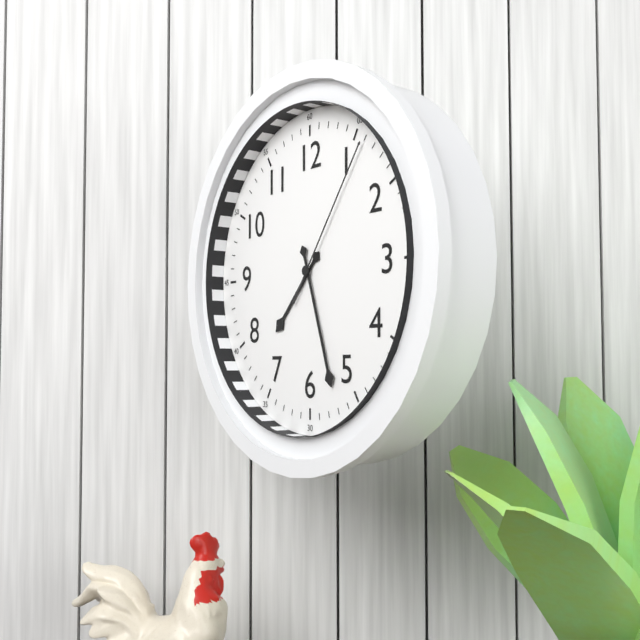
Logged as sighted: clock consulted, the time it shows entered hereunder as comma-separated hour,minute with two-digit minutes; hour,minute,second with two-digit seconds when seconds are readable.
7,27,06
